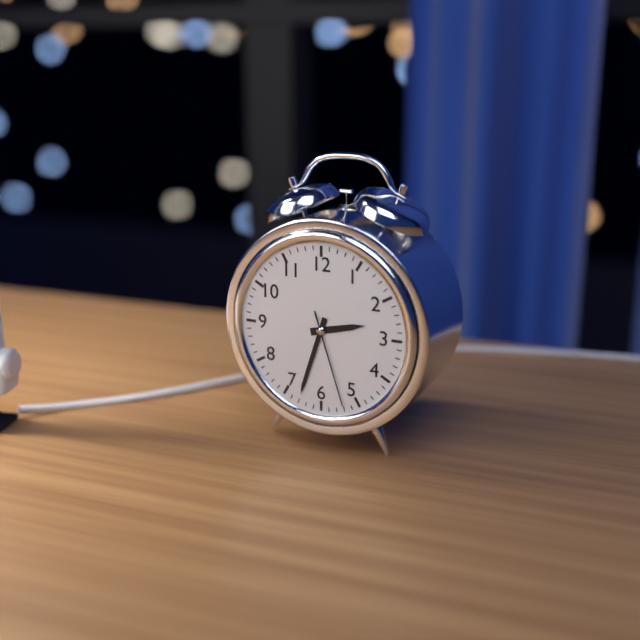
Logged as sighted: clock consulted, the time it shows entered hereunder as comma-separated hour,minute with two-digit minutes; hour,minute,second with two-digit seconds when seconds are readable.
2,33,27
